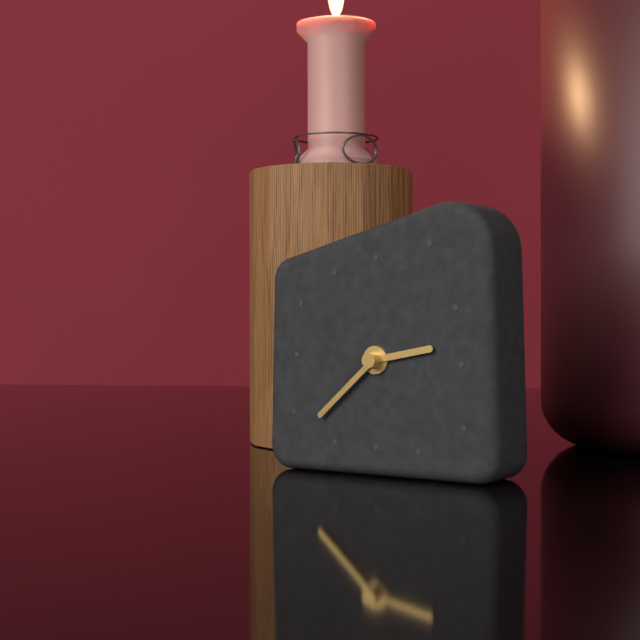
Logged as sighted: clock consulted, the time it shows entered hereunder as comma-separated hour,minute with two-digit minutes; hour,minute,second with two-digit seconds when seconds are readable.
2,38
